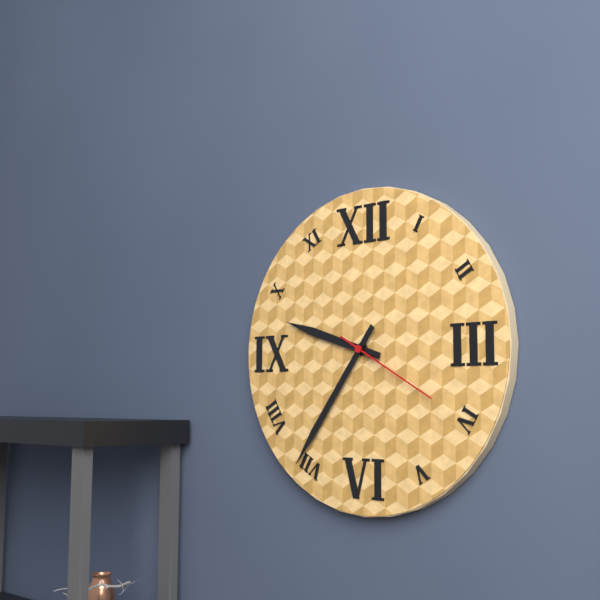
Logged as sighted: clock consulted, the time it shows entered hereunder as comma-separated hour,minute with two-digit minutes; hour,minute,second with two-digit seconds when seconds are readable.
9,36,20
